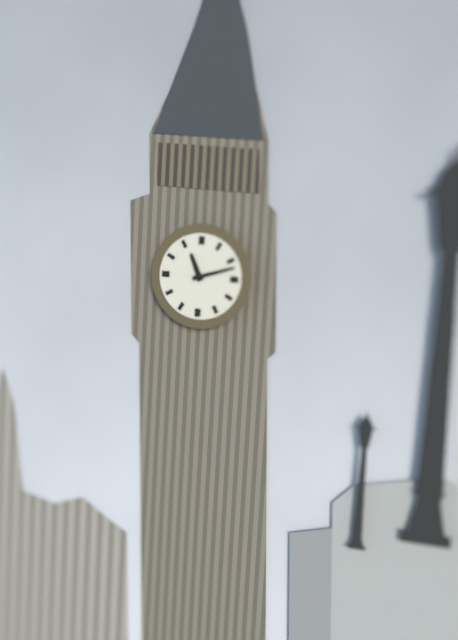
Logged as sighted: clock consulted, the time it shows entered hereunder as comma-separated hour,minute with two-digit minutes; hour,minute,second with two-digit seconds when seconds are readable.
11,12
